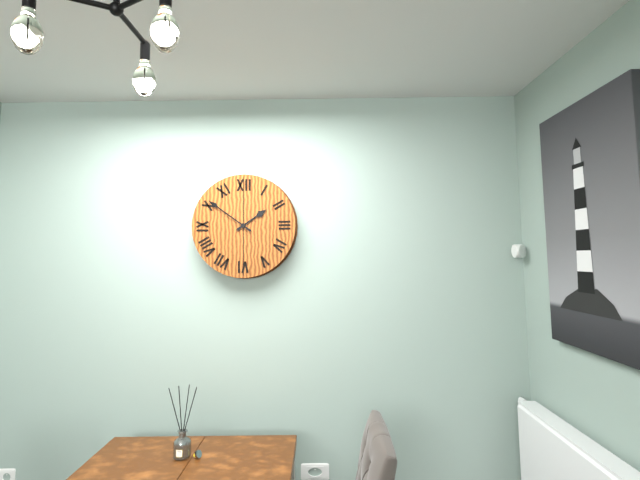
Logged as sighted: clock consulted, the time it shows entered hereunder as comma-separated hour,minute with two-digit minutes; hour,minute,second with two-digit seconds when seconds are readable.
1,51
